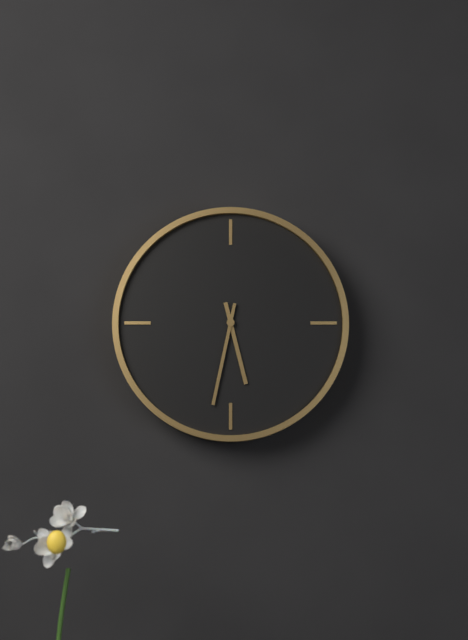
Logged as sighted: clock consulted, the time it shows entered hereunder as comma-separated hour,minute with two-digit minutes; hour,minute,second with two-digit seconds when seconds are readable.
5,32
